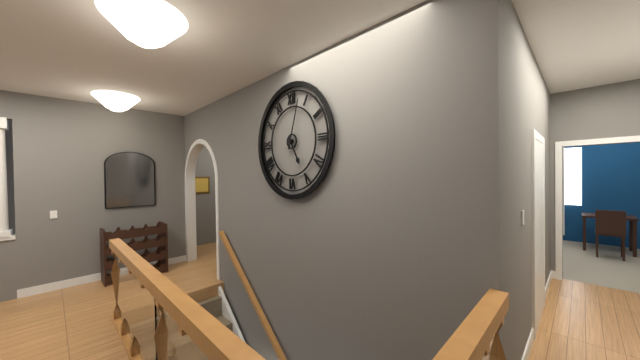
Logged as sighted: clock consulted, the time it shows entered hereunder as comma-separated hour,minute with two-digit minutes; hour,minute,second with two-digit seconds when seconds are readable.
5,03
